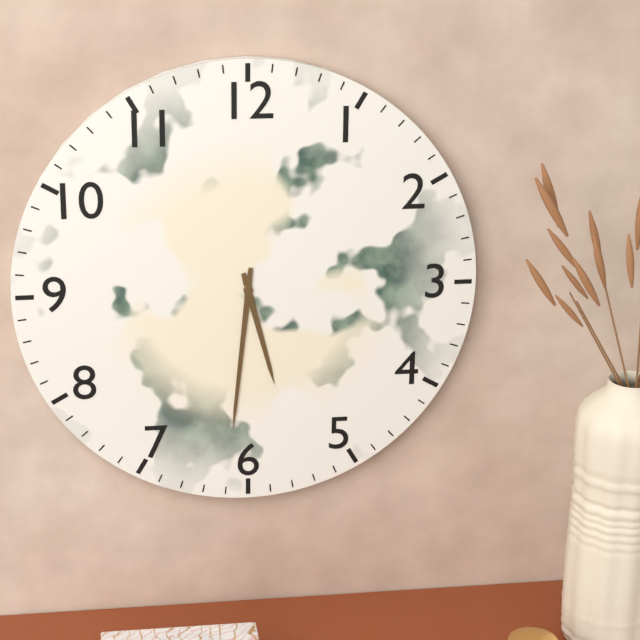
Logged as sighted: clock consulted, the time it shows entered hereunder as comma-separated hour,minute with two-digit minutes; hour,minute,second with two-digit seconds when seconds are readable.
5,31
